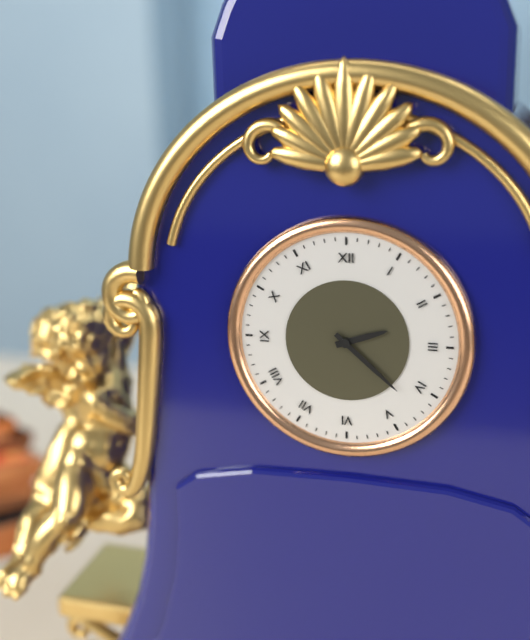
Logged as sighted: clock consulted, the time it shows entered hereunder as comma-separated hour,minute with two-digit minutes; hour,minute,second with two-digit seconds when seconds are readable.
2,22
